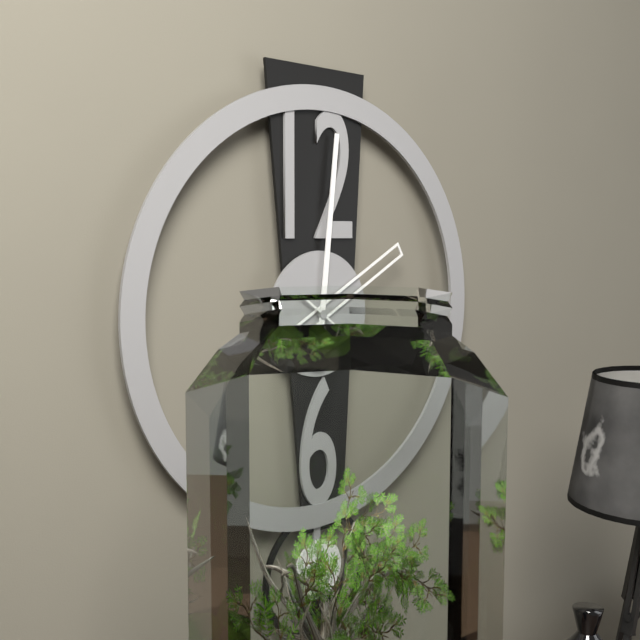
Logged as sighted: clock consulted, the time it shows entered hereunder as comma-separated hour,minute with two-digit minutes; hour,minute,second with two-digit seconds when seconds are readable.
2,01,21
